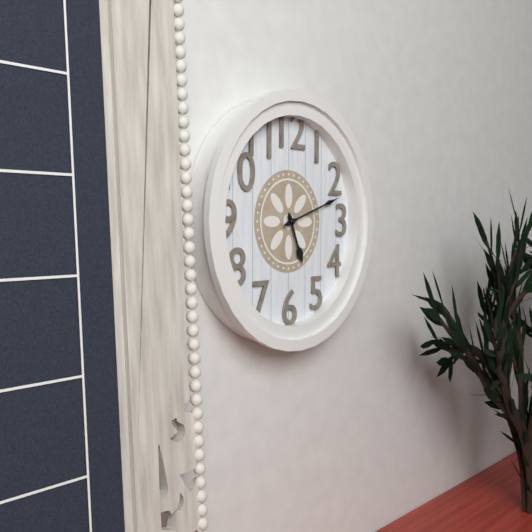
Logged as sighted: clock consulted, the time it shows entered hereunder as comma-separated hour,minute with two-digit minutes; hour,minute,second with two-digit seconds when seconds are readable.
5,12
